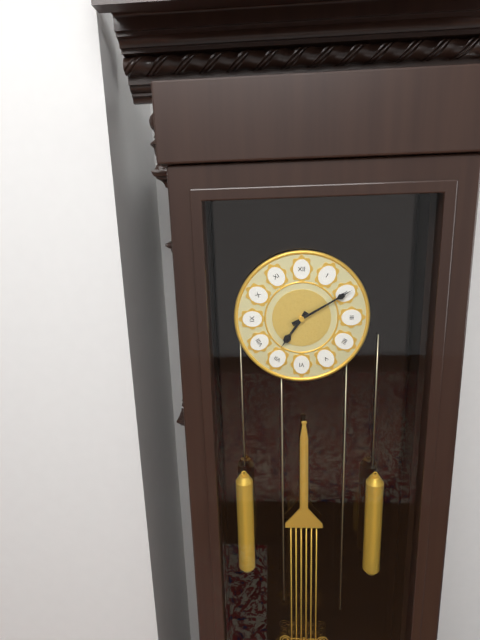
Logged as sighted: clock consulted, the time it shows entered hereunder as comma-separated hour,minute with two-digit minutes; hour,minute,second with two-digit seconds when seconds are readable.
7,10
